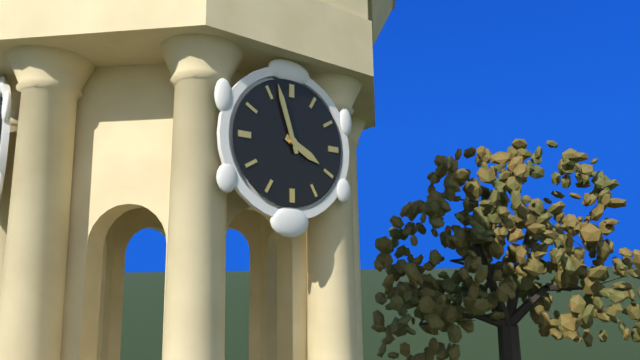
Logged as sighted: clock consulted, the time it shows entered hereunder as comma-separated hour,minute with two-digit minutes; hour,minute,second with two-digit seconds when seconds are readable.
3,57
